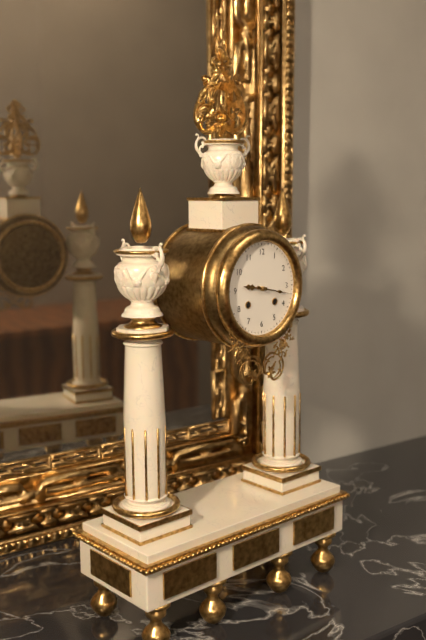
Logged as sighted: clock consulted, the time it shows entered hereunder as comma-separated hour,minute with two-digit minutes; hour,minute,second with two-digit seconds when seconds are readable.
9,17
